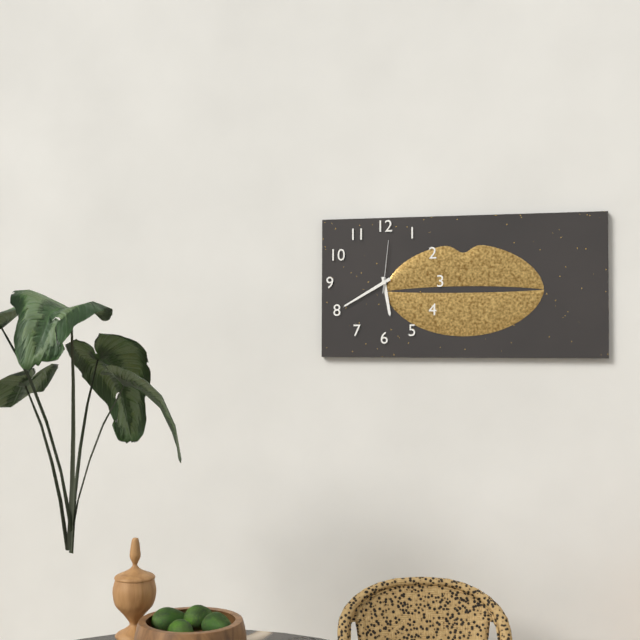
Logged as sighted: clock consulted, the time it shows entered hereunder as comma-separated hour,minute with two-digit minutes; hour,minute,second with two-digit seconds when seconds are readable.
5,40,01
